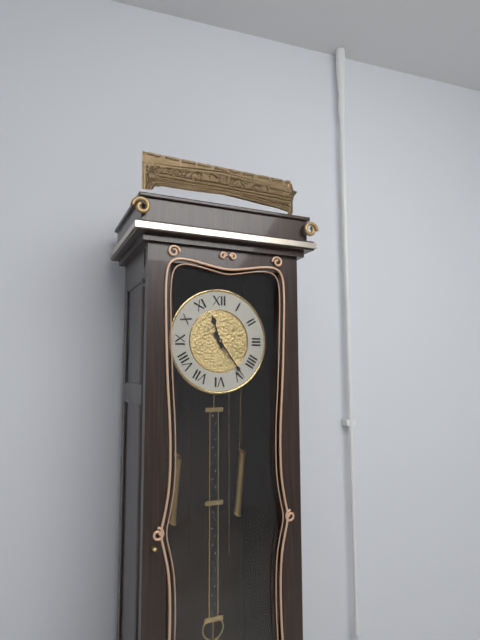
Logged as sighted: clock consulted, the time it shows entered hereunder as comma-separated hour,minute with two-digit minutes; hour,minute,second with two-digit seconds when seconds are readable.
11,24
